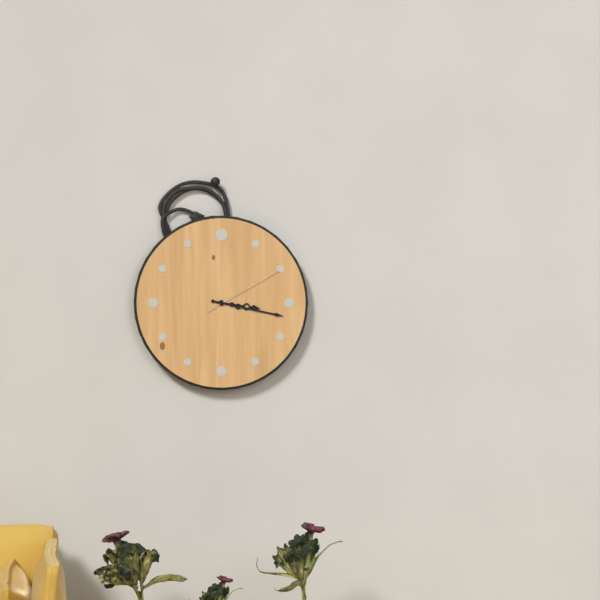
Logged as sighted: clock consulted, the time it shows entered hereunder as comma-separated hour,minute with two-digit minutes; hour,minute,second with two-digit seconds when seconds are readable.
3,17,10
